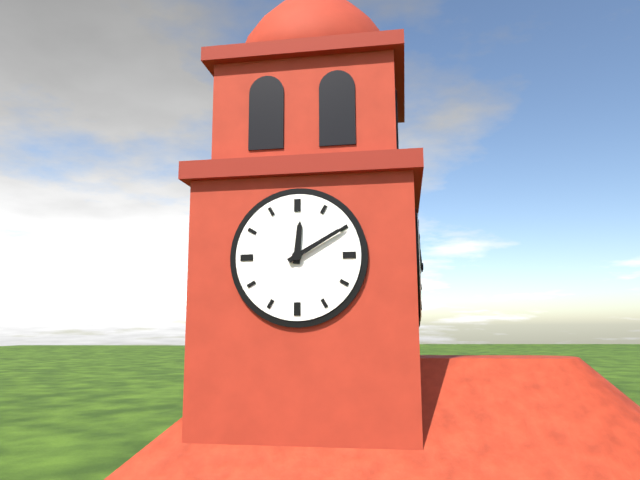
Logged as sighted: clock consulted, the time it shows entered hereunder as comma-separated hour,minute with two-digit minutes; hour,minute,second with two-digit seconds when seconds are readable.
12,10
